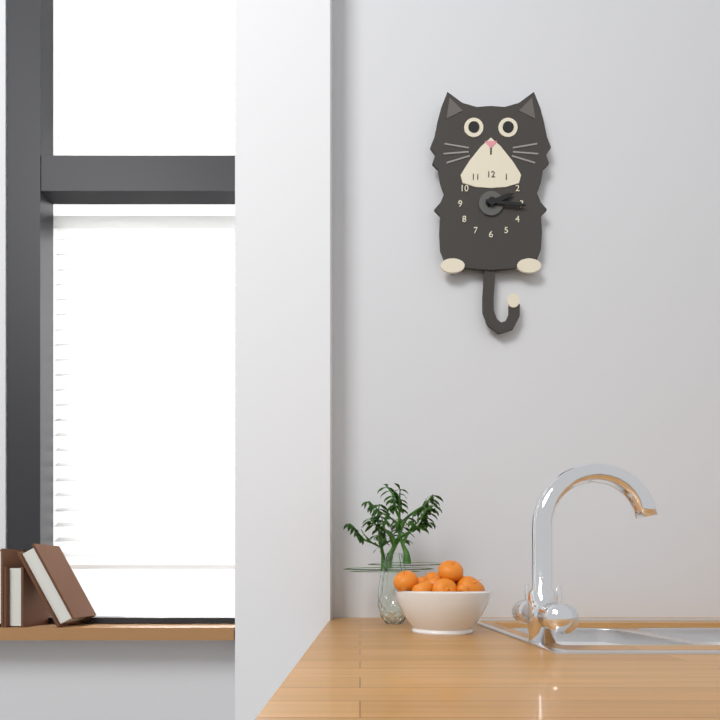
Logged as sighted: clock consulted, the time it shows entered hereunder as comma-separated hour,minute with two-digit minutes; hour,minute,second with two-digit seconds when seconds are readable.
2,16
